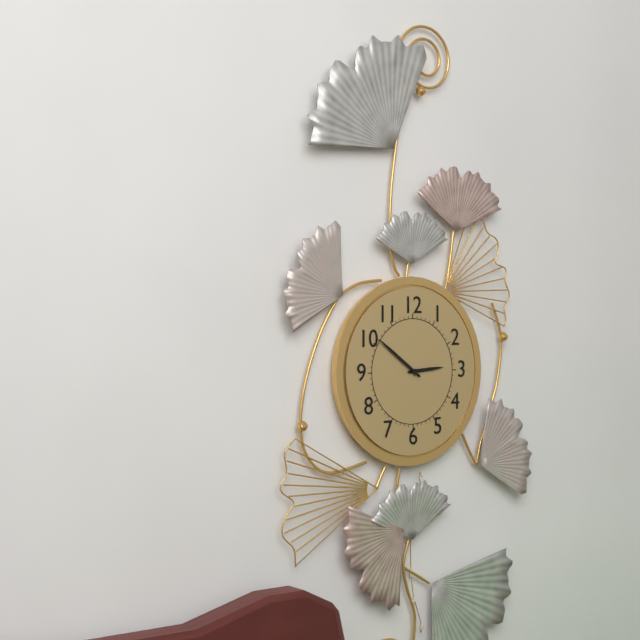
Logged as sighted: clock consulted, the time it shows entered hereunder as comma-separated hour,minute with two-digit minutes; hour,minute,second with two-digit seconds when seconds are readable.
2,51
